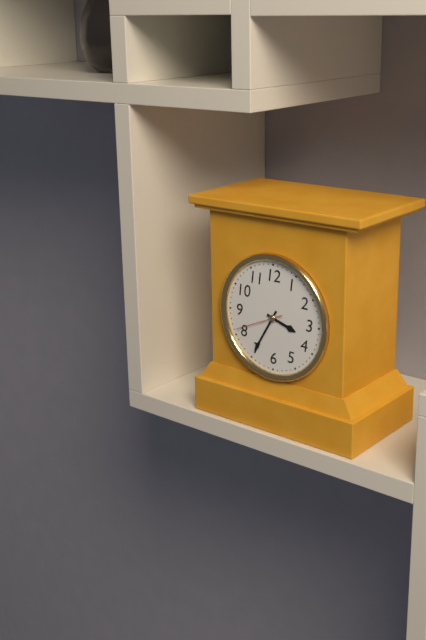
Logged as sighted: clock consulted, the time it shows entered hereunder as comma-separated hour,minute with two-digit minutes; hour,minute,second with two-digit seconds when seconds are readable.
3,35
